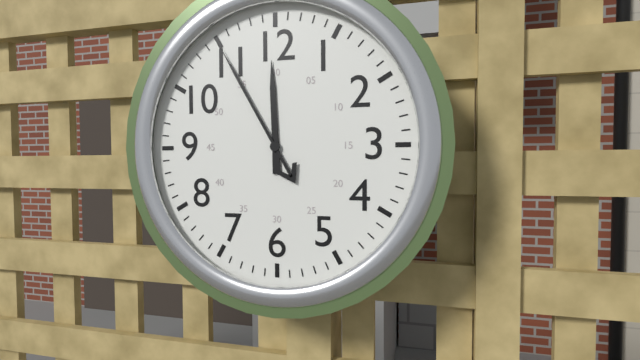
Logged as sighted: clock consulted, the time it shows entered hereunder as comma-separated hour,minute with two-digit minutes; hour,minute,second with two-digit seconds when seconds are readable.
11,55
